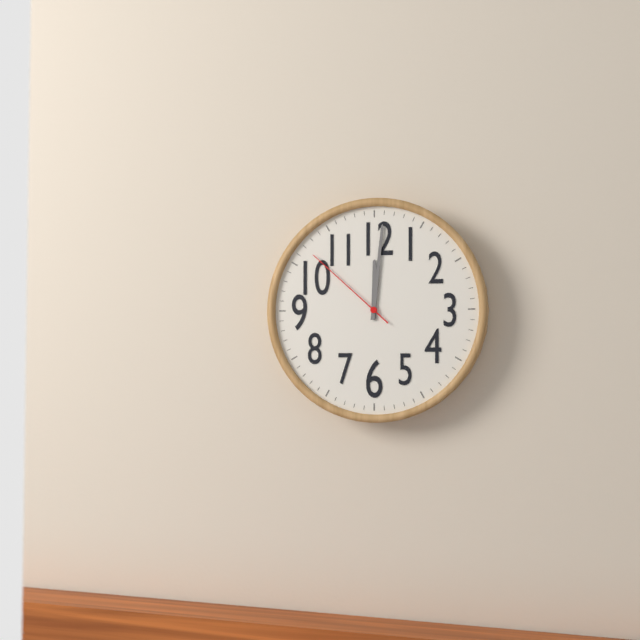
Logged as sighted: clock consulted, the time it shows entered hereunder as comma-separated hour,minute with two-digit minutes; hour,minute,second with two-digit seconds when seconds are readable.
12,01,52
